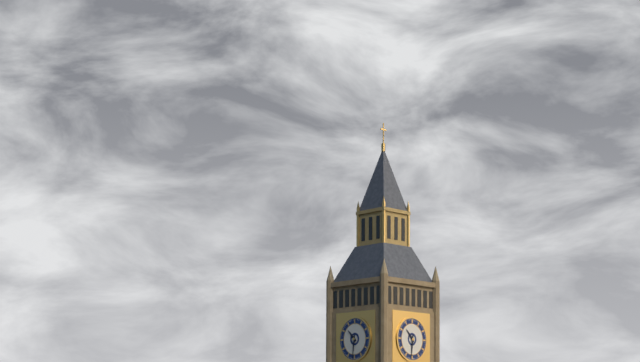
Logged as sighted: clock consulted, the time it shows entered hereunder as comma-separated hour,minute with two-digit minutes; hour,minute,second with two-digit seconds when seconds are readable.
10,31
